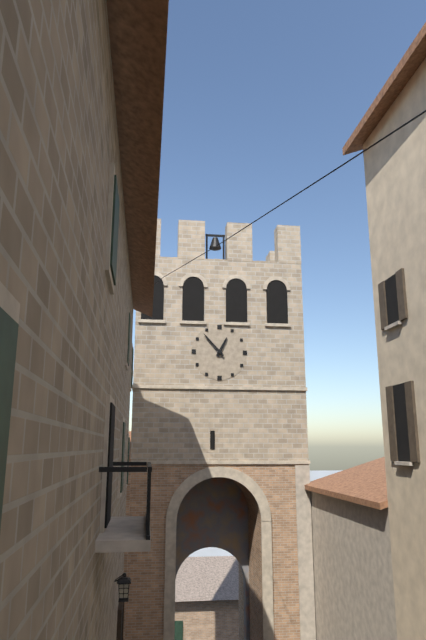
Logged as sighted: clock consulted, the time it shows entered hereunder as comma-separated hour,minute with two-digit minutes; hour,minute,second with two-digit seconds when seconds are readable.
12,53
